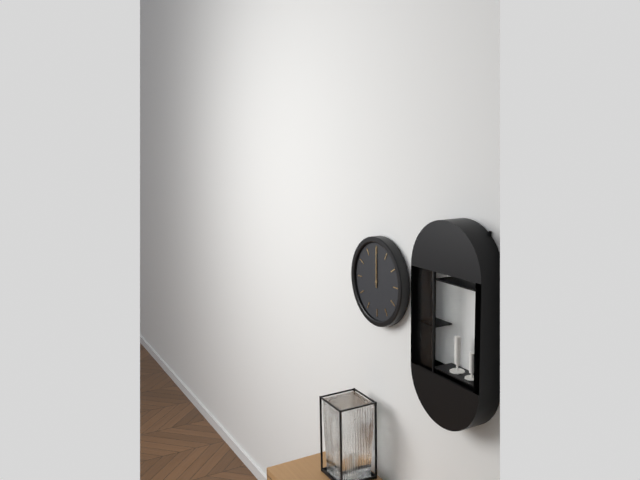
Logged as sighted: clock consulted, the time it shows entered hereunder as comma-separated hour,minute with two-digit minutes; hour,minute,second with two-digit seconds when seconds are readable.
12,00
